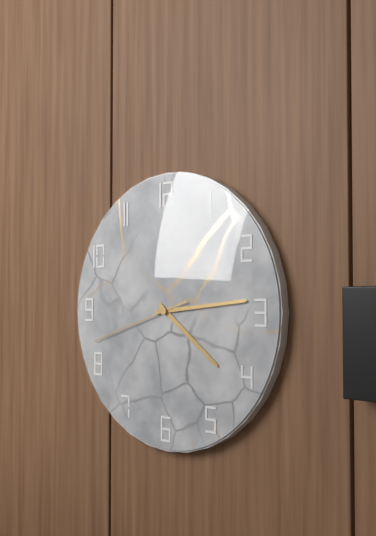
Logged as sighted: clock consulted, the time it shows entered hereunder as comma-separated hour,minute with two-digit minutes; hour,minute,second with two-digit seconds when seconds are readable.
4,14,42
